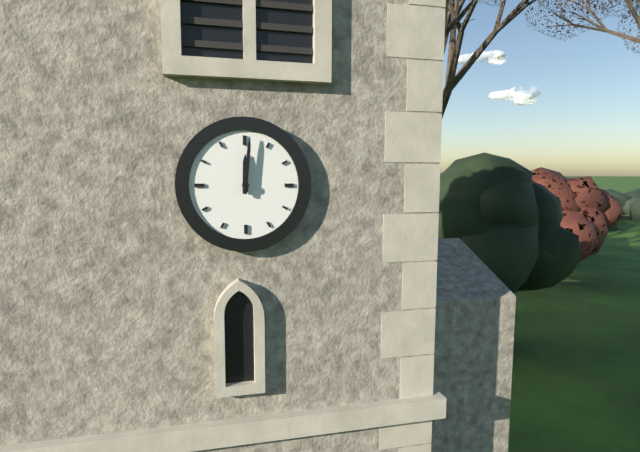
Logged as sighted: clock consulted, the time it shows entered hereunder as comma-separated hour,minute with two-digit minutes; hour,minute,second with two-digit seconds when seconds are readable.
12,01
